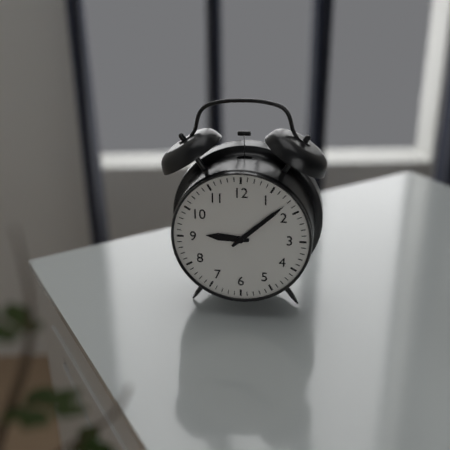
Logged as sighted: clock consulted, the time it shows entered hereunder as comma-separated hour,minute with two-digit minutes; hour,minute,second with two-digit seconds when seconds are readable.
9,08
